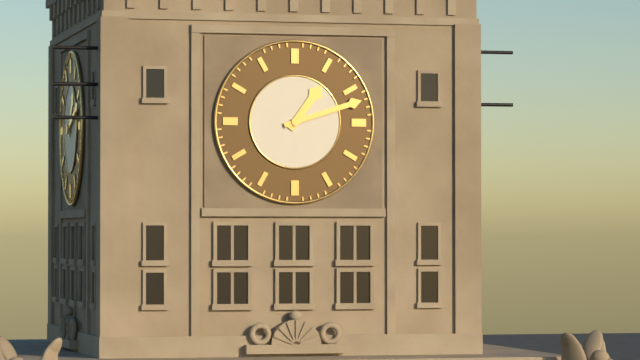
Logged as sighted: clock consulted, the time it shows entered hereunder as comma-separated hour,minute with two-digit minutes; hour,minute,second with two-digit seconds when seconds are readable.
1,12
